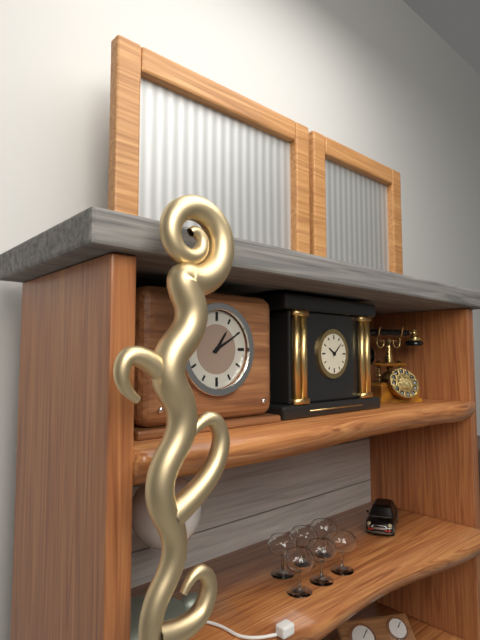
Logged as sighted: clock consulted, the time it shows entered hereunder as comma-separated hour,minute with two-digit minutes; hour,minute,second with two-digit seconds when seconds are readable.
1,10
